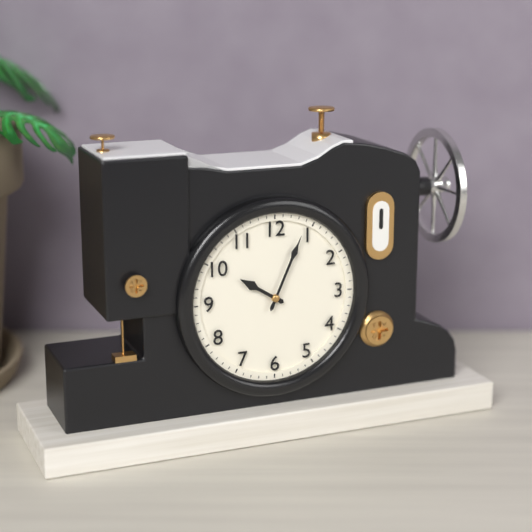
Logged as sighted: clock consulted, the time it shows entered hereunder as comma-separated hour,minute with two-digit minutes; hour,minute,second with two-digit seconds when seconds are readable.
10,04
